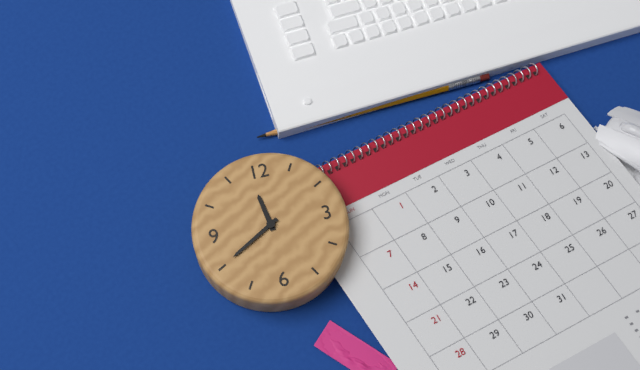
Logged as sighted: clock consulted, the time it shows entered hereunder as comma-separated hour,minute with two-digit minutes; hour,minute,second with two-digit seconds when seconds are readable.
11,40
